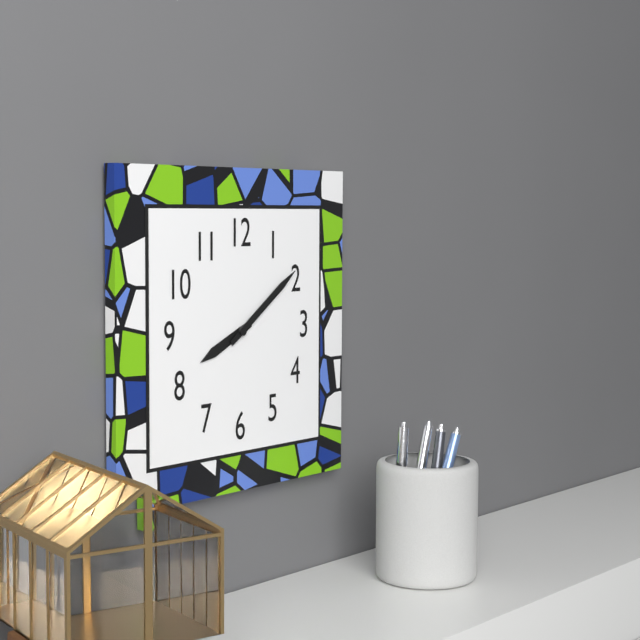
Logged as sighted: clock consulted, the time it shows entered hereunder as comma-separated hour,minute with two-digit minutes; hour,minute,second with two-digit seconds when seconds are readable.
8,09
